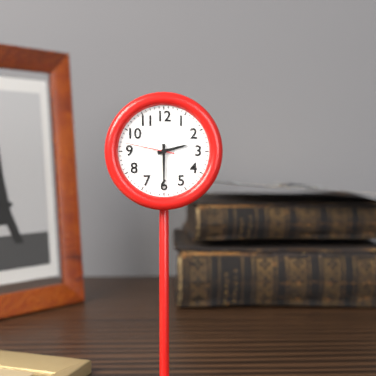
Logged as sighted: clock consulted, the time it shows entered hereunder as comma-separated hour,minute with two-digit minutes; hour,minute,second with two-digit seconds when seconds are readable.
2,30,47
